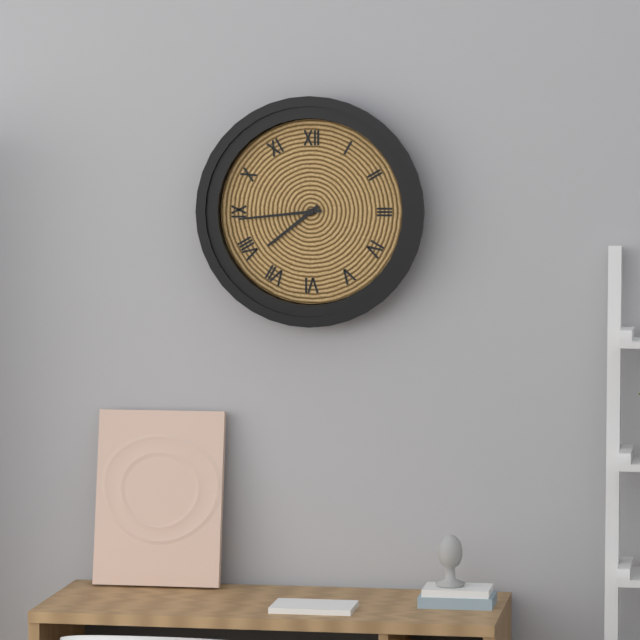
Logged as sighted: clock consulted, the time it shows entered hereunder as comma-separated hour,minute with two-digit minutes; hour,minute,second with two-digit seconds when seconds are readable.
7,44
